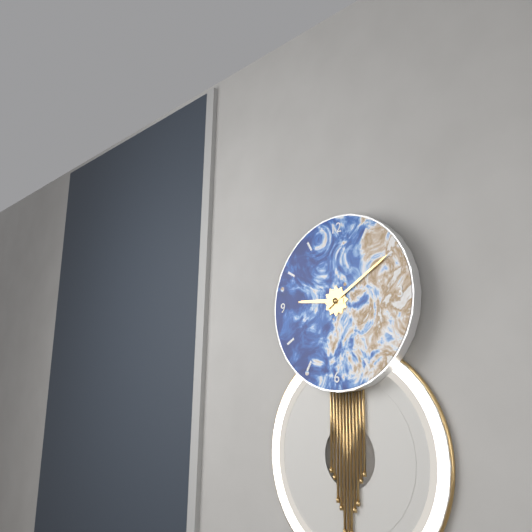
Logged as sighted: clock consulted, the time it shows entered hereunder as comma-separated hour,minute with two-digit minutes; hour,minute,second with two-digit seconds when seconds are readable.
9,10
